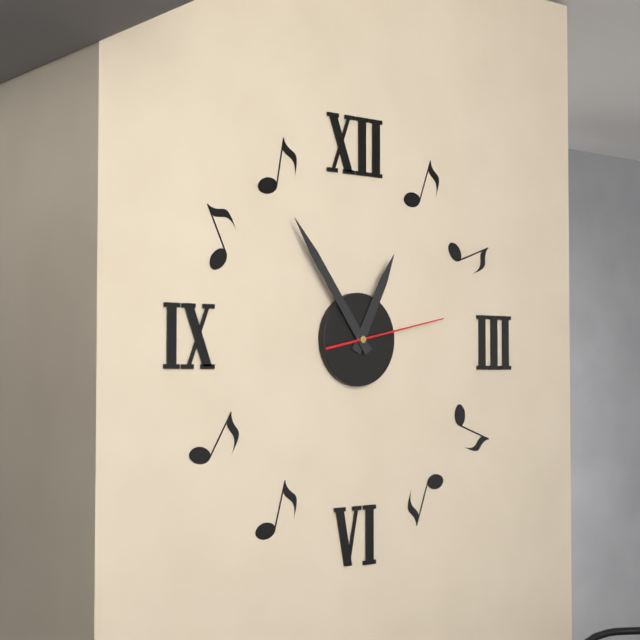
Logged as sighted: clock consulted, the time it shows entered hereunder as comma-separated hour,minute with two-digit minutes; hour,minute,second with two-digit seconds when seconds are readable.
12,54,13
